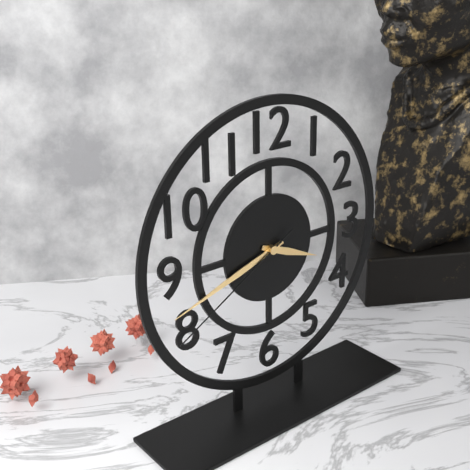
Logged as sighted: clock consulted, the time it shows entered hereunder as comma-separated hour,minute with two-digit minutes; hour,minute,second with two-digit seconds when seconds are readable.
3,42,40
